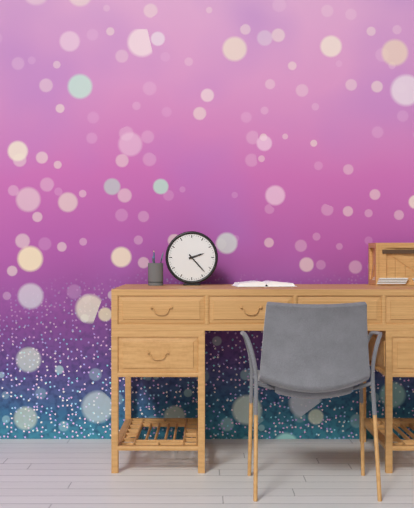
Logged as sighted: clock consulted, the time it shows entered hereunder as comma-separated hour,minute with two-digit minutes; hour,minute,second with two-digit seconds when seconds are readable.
2,23
